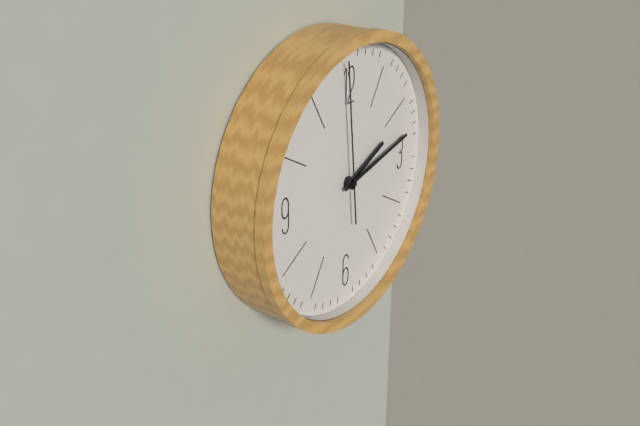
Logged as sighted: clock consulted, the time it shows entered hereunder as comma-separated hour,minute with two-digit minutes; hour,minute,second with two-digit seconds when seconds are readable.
2,13,59
